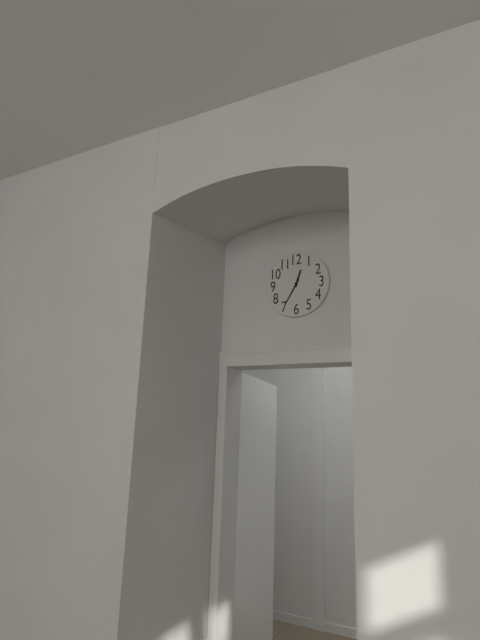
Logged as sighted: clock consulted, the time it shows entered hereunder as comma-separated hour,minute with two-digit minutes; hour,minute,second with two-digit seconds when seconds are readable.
12,35
